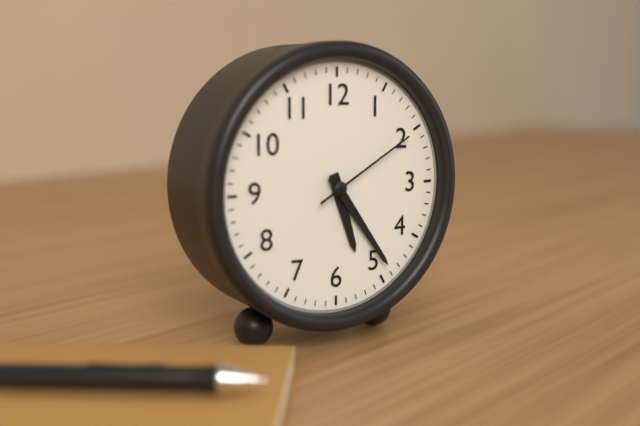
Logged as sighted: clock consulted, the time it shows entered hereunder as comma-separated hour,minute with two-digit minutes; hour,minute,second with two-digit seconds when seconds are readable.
5,24,10
